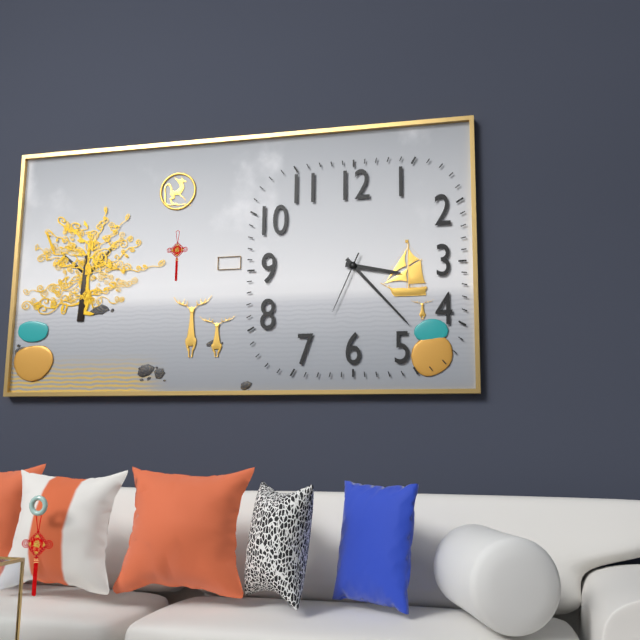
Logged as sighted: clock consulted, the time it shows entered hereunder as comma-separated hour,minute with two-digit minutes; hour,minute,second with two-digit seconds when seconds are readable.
3,23,34
